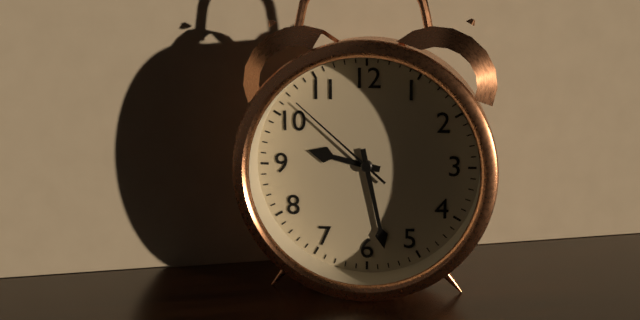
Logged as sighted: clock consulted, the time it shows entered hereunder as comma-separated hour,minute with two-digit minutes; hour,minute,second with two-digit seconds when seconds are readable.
9,28,52
